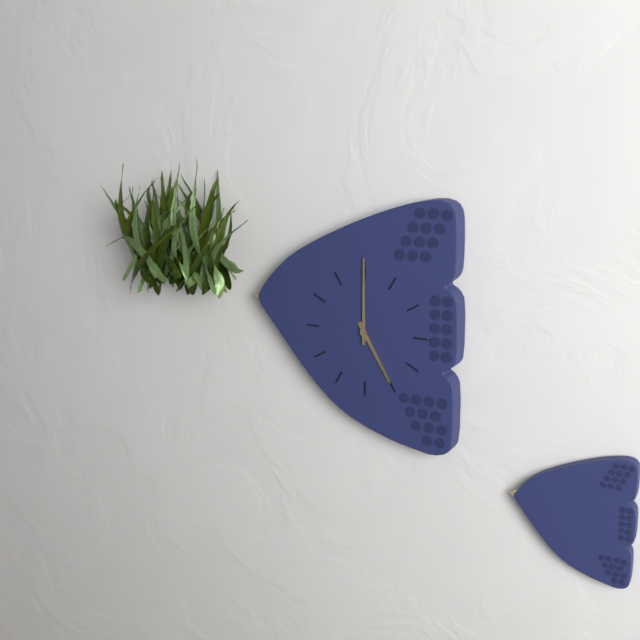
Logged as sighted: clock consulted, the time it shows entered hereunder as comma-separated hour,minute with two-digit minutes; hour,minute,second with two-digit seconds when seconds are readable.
5,00
